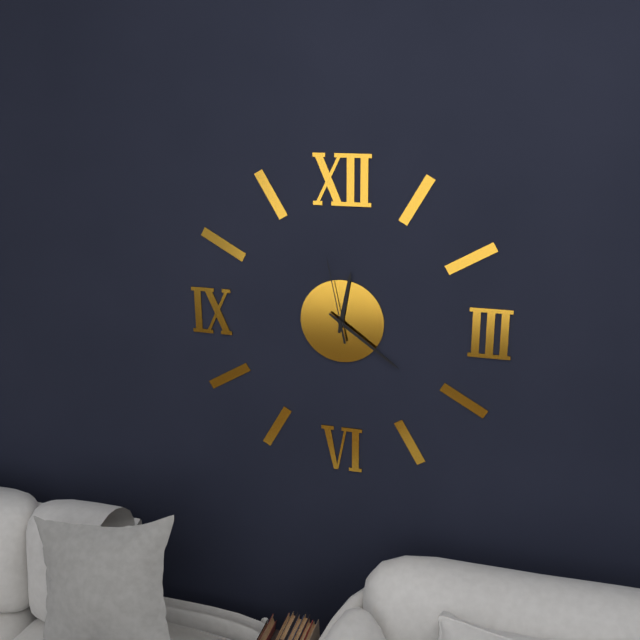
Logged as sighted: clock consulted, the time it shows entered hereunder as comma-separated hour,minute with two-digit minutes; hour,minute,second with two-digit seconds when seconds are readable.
12,21,58
